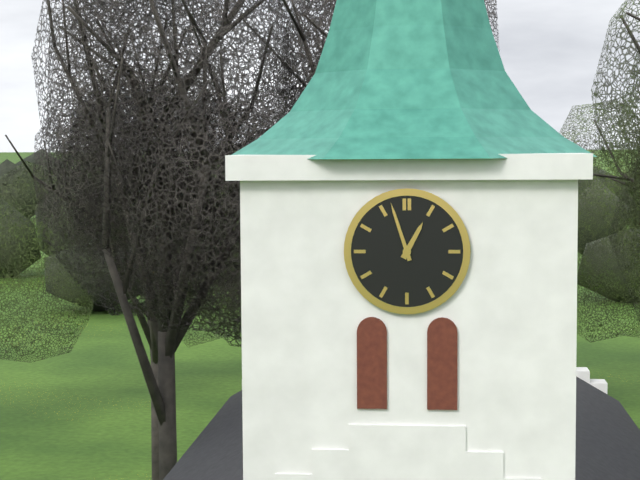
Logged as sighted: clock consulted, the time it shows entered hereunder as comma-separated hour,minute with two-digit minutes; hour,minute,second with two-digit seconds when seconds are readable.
12,57
